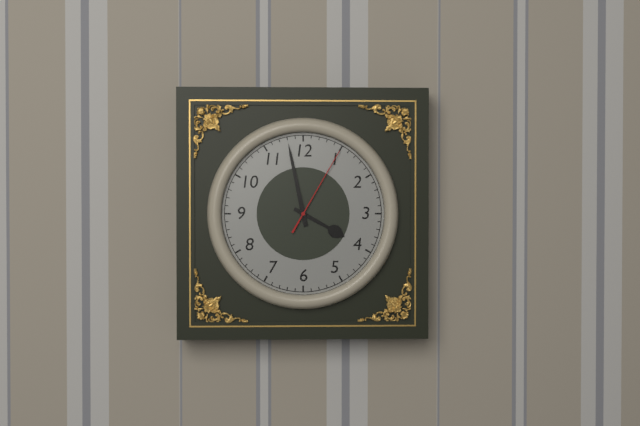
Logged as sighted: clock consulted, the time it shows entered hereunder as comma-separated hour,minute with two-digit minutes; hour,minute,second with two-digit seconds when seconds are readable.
3,58,05
